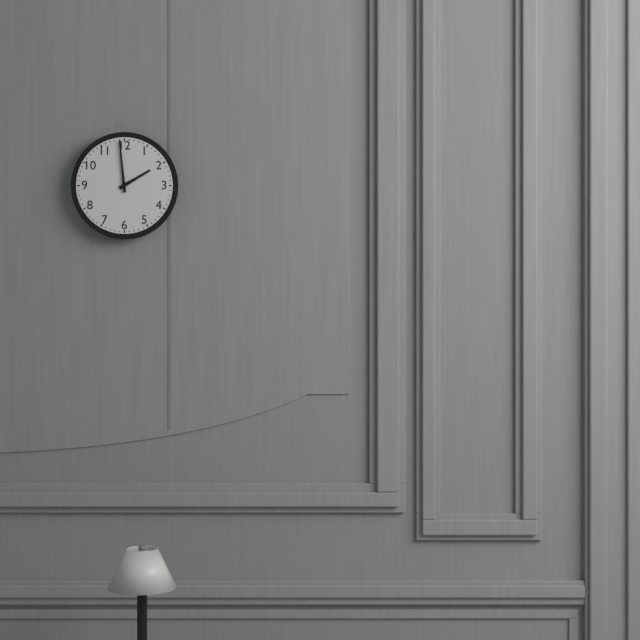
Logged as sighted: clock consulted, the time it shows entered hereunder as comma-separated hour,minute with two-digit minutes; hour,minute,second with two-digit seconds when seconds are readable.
1,59
